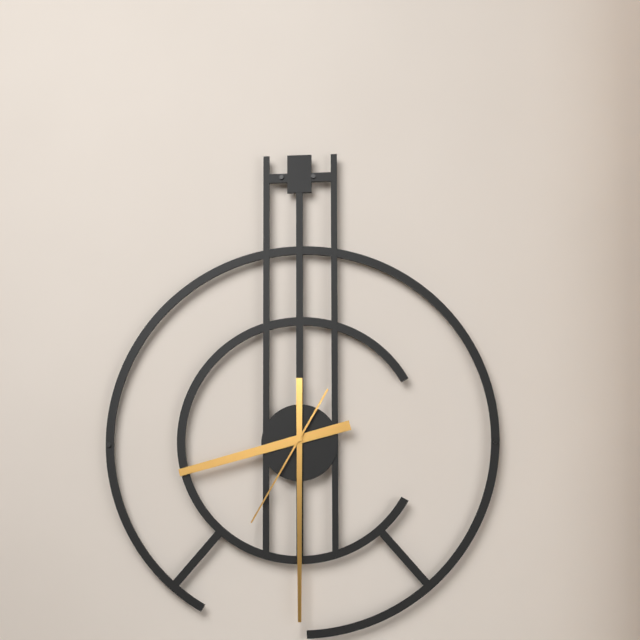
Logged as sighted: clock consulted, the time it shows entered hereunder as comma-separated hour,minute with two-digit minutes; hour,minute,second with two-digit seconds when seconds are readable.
8,30,35
